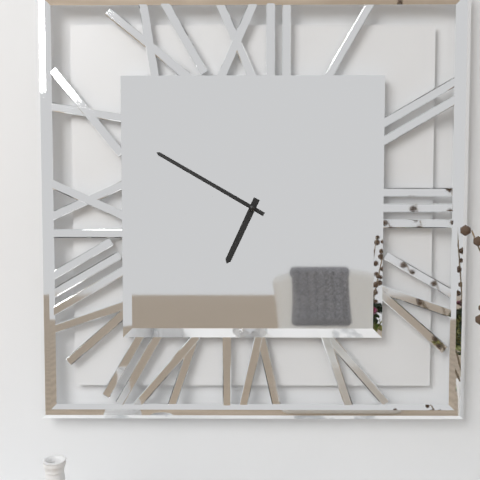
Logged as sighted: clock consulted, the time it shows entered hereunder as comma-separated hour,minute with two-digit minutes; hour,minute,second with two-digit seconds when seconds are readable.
6,50
